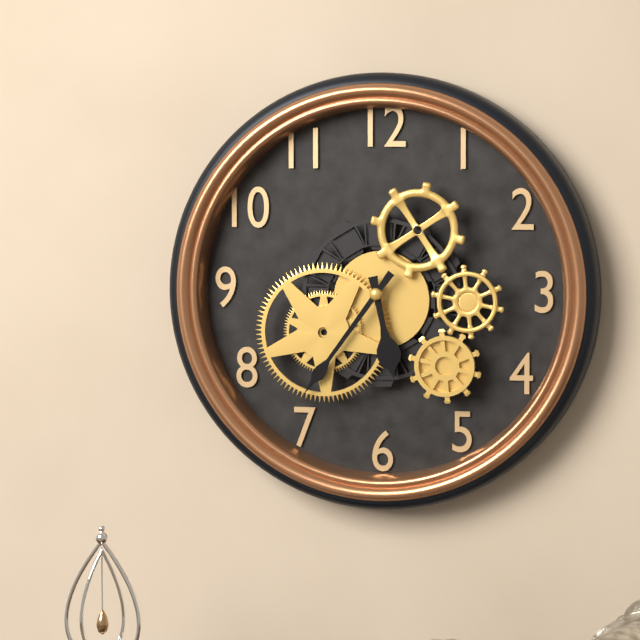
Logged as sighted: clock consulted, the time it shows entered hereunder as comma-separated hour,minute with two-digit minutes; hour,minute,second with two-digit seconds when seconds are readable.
5,36
